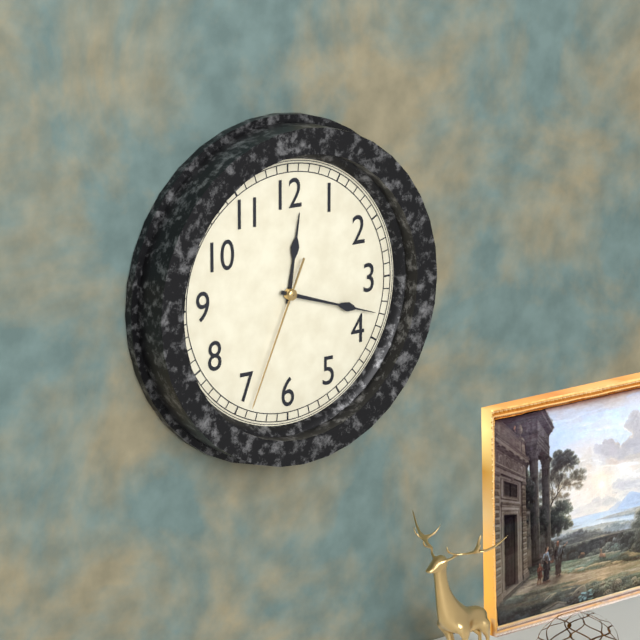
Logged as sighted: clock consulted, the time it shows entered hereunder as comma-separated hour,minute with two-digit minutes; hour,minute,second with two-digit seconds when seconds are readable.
12,18,34
